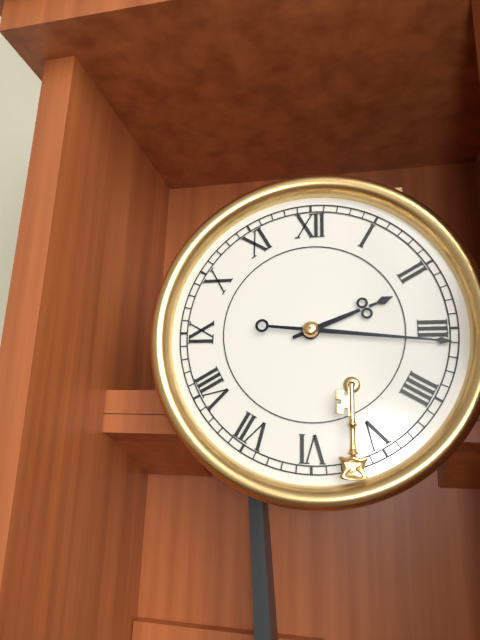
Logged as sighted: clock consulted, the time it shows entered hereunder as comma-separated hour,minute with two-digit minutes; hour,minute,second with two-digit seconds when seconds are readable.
2,16
